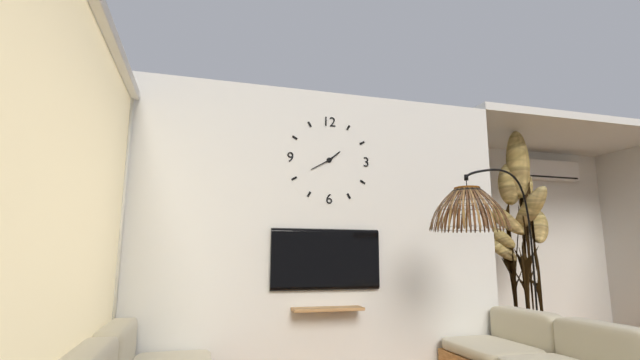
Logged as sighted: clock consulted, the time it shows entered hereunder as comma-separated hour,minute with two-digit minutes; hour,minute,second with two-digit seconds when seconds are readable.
1,40
